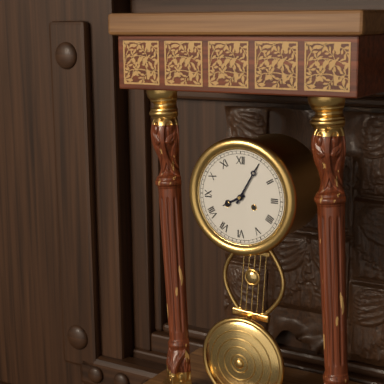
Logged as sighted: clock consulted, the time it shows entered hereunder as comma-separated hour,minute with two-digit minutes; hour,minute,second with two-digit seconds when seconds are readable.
8,05
